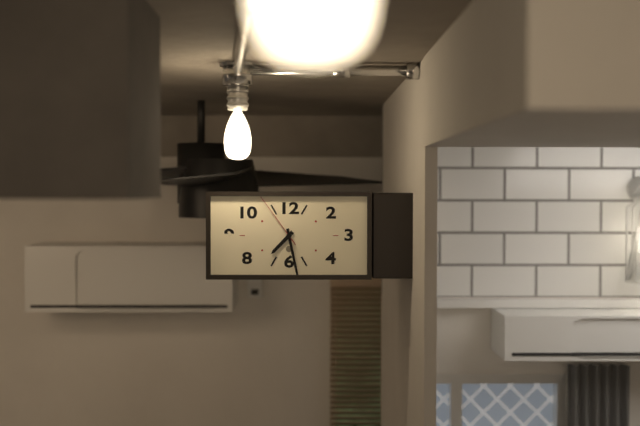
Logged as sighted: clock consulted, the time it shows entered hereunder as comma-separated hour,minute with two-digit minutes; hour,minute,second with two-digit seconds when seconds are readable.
7,28,54
